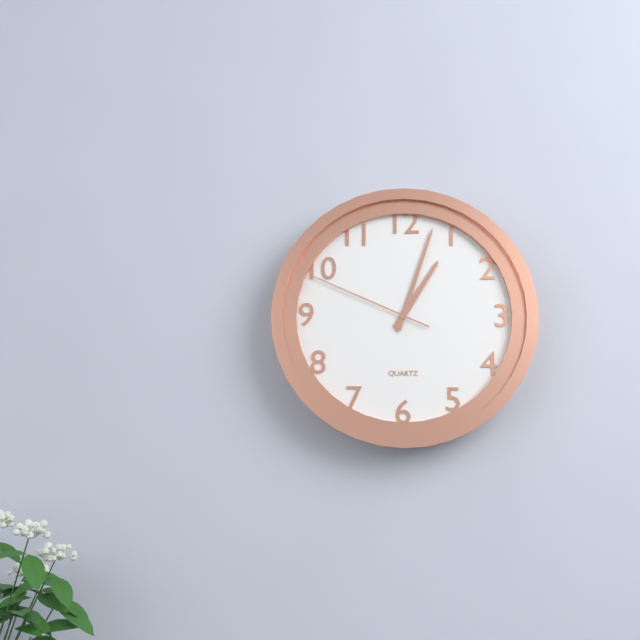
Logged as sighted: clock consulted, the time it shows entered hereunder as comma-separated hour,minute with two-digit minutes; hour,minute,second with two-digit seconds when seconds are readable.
1,03,49
